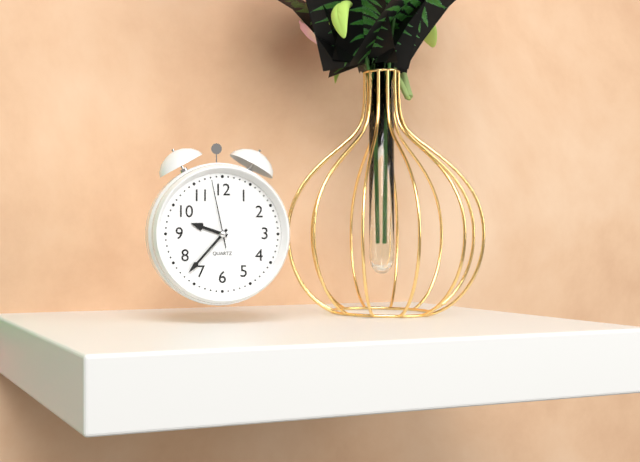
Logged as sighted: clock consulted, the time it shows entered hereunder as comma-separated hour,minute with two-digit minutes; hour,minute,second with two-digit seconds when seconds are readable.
9,37,58
